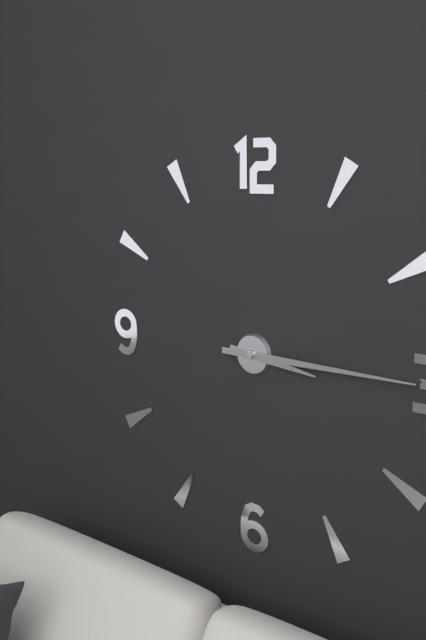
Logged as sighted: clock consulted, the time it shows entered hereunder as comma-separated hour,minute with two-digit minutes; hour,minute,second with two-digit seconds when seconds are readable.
3,15
